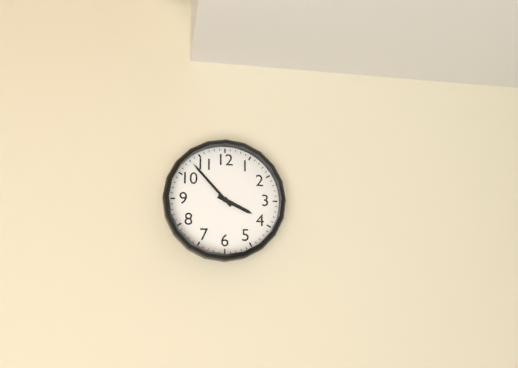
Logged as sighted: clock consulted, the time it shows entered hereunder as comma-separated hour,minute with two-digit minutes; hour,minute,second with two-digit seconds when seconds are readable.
3,53
